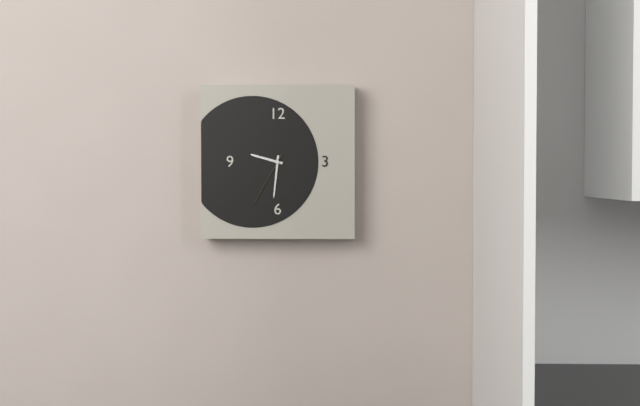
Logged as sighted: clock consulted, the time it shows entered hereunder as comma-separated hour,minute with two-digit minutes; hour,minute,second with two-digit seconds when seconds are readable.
9,31,35
